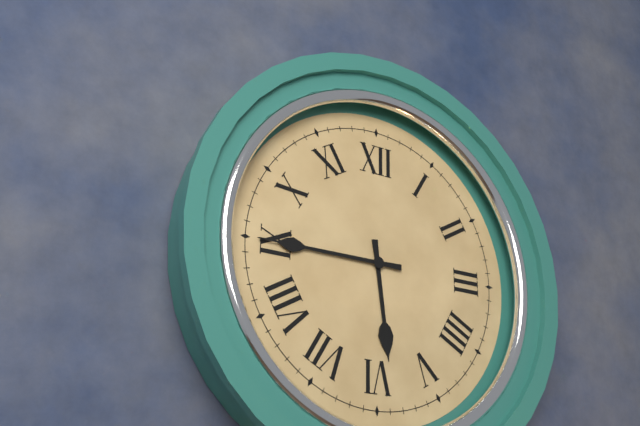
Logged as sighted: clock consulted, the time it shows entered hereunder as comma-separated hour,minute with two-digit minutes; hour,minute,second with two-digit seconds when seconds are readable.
5,45
